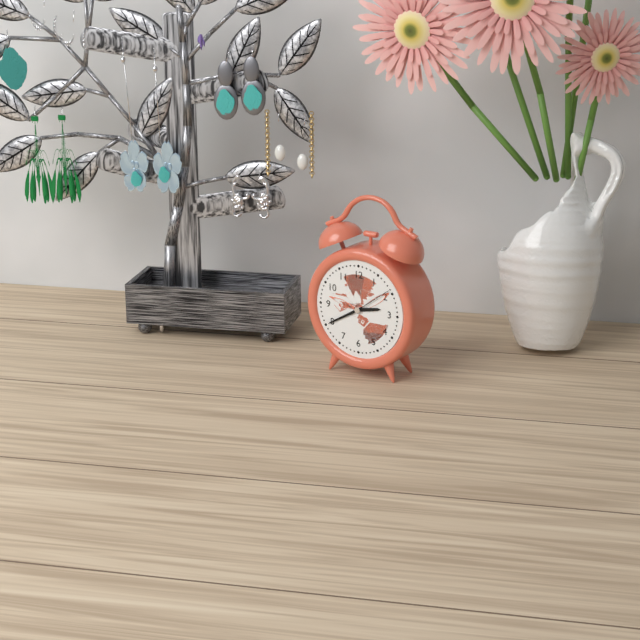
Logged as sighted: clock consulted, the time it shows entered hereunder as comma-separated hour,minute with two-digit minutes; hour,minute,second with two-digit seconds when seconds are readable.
2,40
